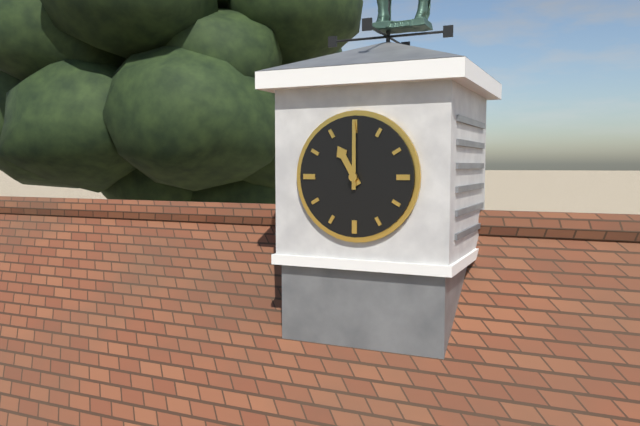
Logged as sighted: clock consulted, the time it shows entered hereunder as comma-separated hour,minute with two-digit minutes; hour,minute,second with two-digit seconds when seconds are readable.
11,00
